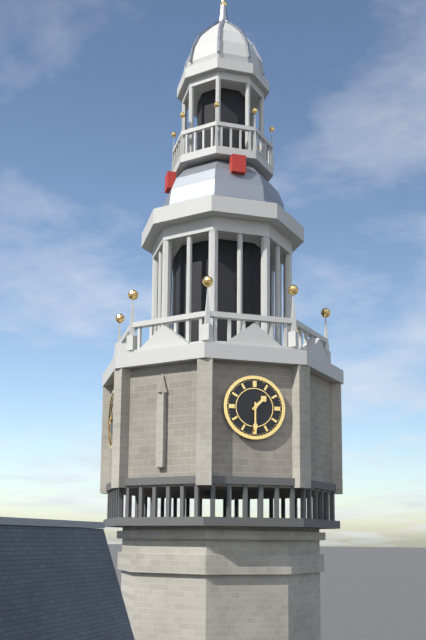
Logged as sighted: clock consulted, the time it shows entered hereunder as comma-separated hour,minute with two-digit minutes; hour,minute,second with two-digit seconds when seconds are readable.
1,30
